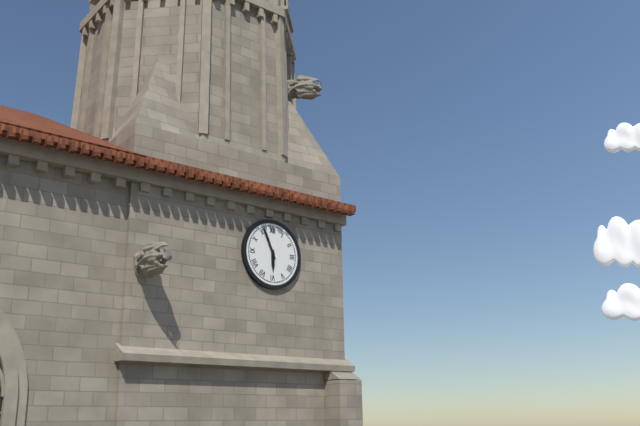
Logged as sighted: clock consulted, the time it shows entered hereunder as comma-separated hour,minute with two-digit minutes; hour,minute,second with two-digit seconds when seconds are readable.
5,56
